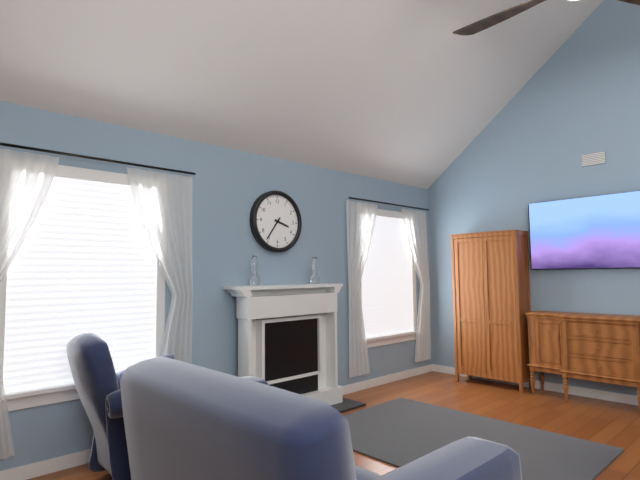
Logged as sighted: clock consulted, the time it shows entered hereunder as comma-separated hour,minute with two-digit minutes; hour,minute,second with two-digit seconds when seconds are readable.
3,36
